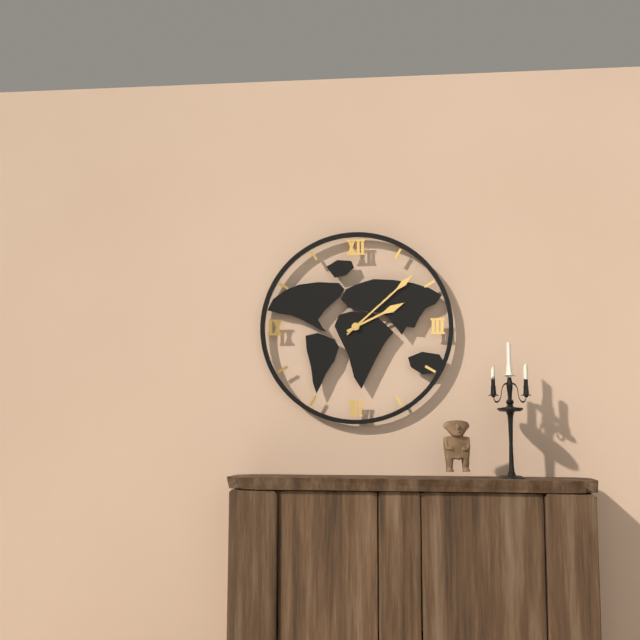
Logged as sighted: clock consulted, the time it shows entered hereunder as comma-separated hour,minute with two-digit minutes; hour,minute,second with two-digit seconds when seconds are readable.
2,08
